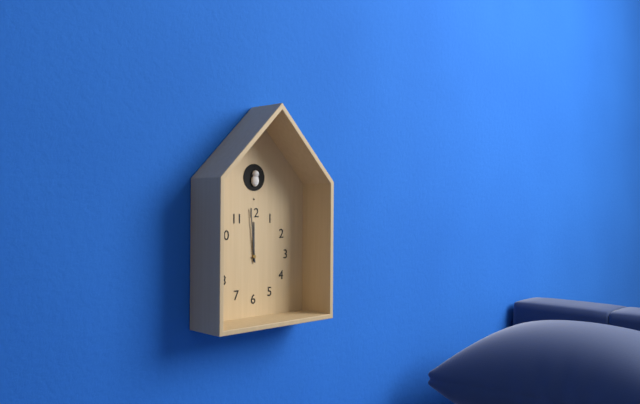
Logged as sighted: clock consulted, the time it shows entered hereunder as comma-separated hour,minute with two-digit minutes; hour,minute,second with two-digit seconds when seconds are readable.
11,59
